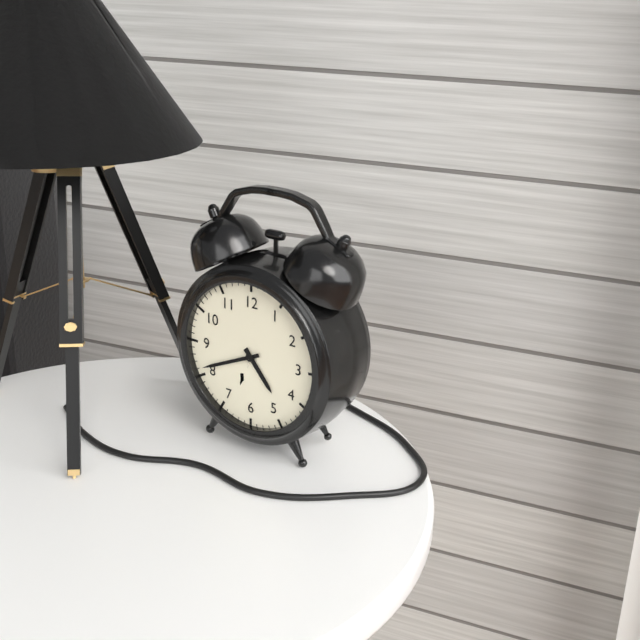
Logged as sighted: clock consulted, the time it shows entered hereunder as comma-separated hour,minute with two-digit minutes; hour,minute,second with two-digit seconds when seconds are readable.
4,41
